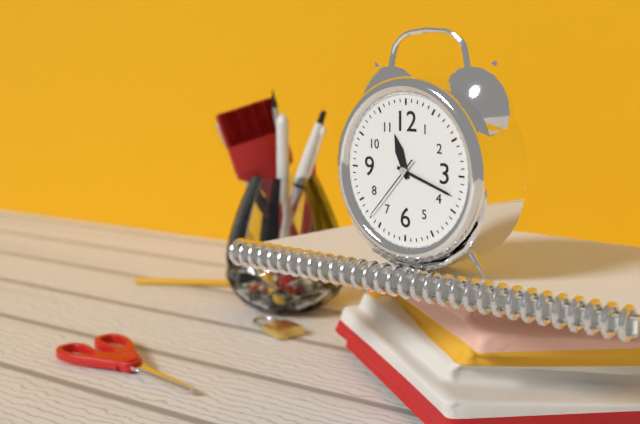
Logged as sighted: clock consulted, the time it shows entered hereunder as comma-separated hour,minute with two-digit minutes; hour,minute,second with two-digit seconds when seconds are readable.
11,18,37
